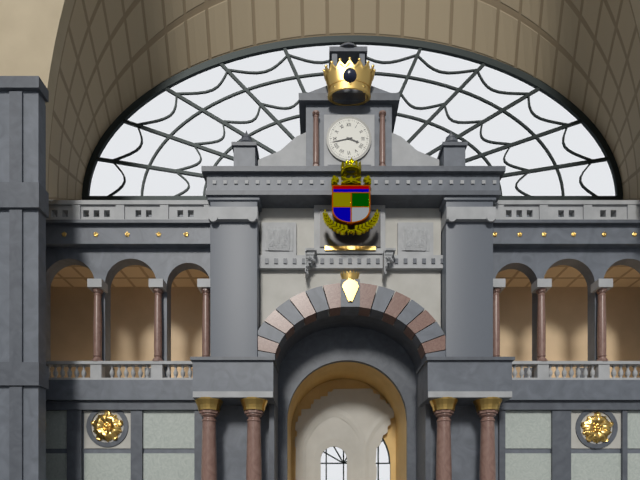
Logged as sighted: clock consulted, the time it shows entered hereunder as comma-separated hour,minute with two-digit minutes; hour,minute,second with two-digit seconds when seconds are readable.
3,43
